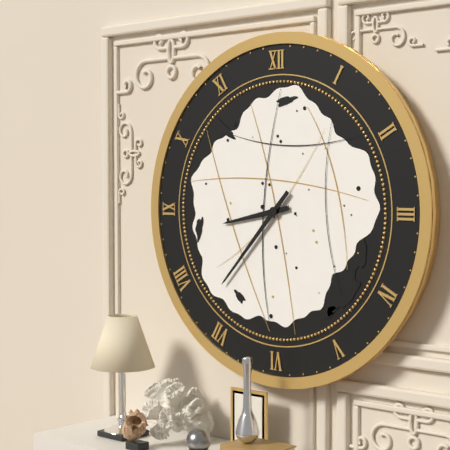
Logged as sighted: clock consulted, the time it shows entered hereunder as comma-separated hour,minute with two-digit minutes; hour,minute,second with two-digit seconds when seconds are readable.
8,37
